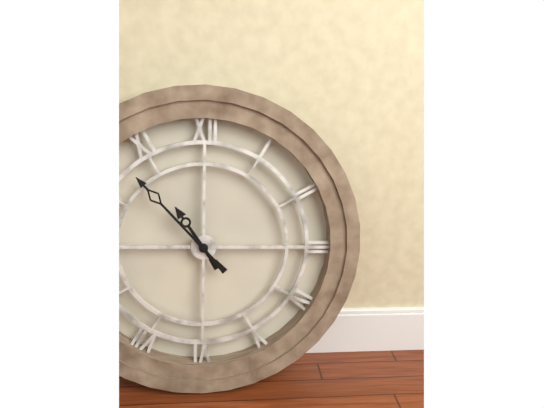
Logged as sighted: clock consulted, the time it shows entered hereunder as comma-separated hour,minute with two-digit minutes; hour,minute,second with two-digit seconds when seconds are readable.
10,53
